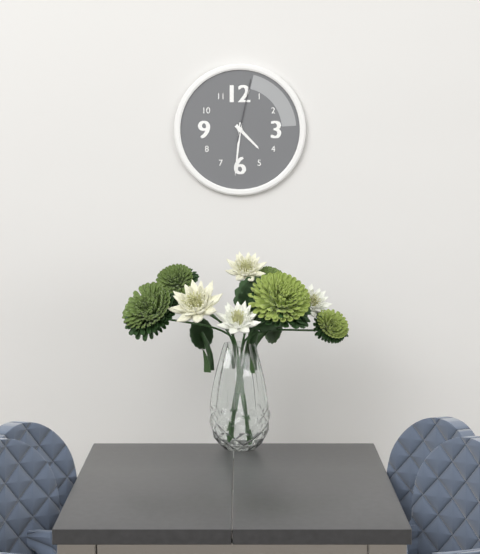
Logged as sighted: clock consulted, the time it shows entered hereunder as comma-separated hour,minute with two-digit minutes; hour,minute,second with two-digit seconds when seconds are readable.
4,31,02
